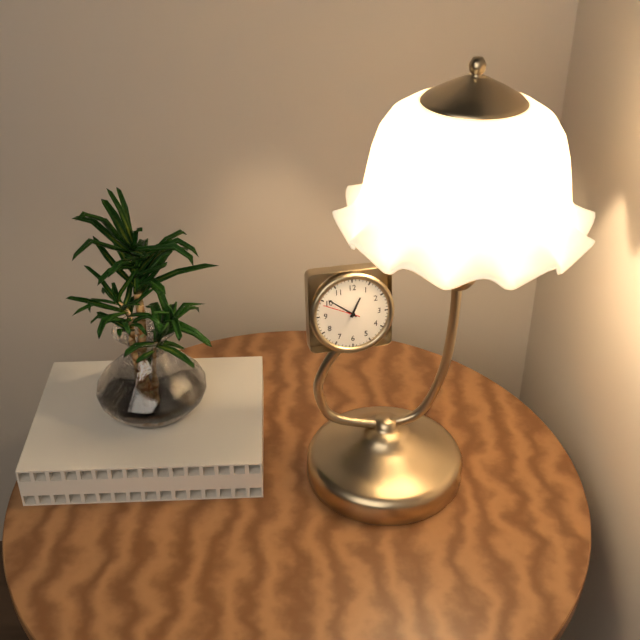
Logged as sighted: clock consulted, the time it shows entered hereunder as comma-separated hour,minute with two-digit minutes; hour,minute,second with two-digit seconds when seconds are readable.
12,51
